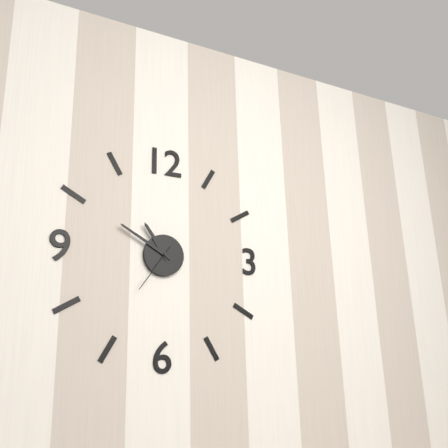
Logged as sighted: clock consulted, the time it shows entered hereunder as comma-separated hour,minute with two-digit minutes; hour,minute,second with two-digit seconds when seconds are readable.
10,50,36
